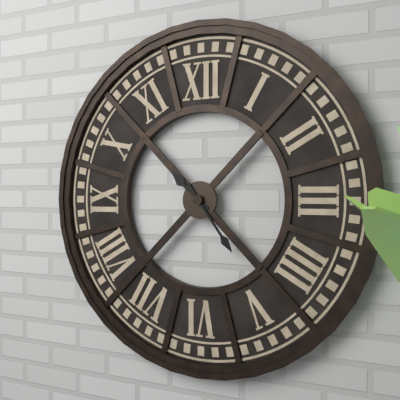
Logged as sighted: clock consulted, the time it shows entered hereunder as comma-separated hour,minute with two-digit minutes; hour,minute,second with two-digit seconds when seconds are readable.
10,24
